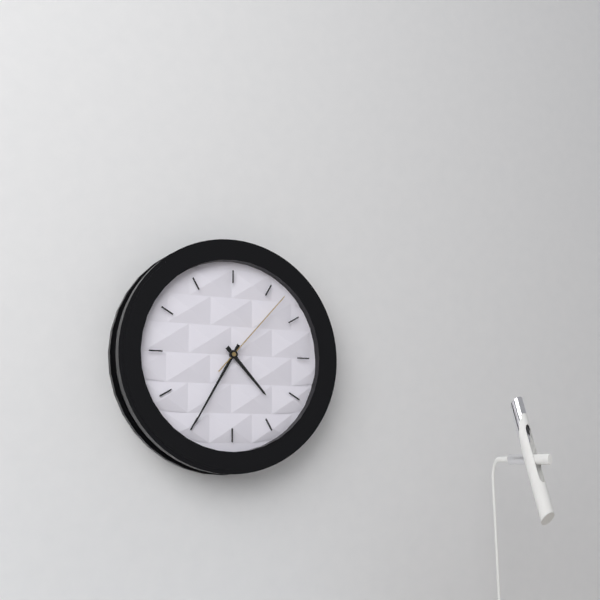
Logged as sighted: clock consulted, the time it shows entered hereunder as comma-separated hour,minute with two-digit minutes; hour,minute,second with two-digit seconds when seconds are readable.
4,35,07
